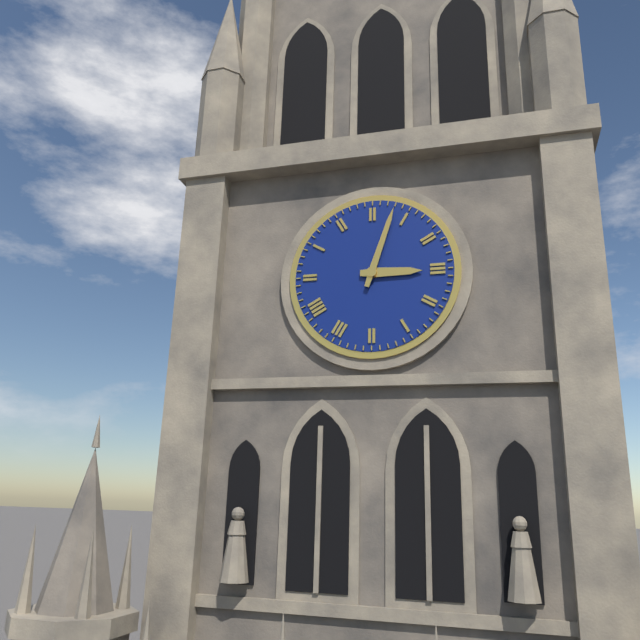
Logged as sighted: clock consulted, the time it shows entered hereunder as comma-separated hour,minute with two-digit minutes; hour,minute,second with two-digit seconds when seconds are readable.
3,03
